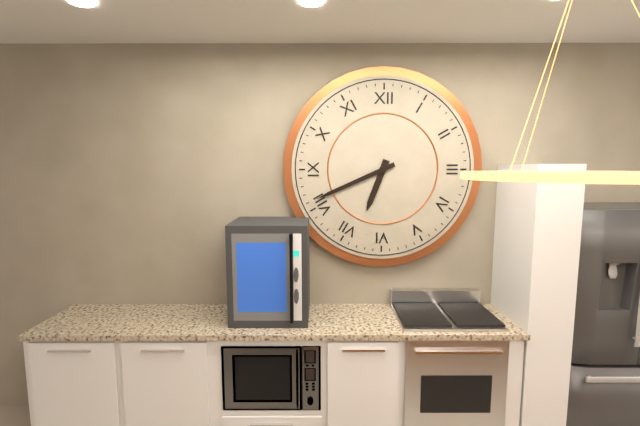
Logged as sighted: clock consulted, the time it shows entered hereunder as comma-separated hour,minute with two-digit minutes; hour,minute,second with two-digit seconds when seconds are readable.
6,41
